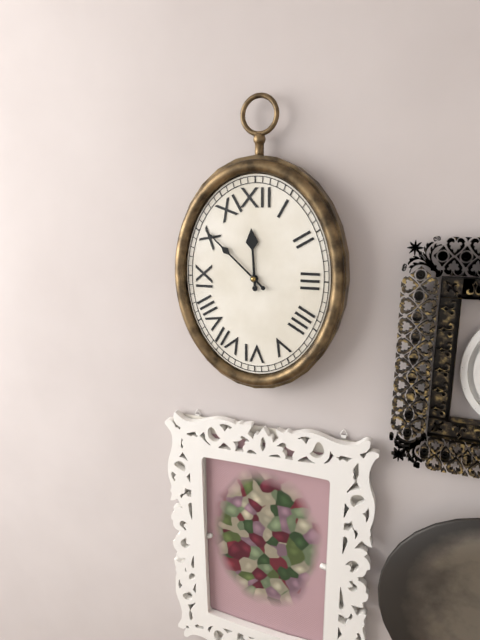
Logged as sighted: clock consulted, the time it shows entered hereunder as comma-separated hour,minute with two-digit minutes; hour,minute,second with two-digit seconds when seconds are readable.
11,52
